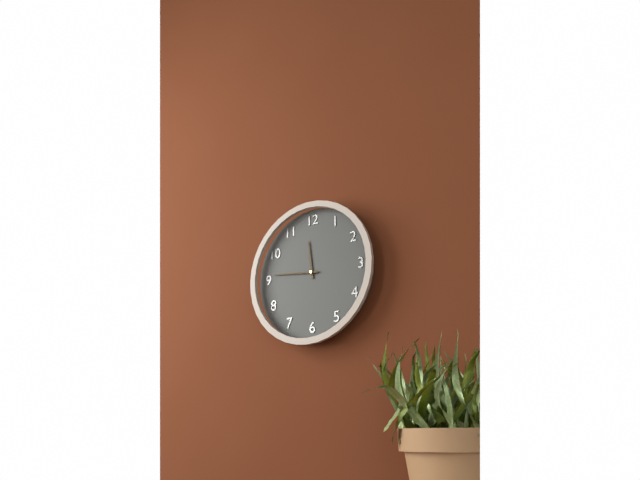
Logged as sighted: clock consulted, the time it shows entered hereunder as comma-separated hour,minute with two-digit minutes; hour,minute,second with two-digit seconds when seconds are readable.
11,46
